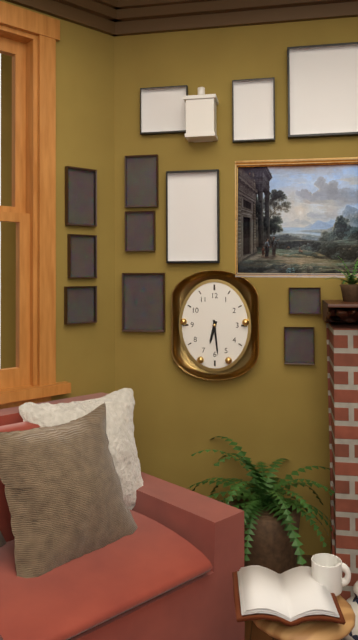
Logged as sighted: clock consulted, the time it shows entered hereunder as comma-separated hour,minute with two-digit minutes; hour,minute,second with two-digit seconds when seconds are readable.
6,29
